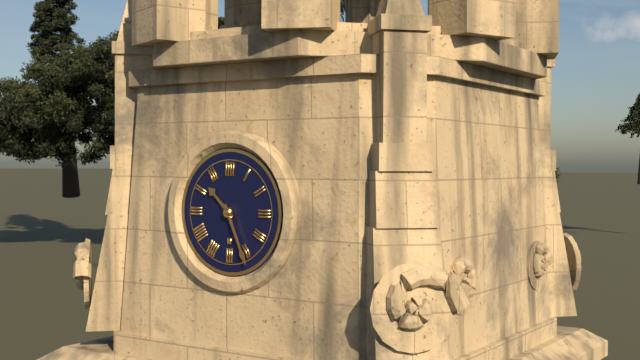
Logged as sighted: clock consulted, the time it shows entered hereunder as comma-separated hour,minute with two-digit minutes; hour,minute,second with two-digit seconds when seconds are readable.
10,26
